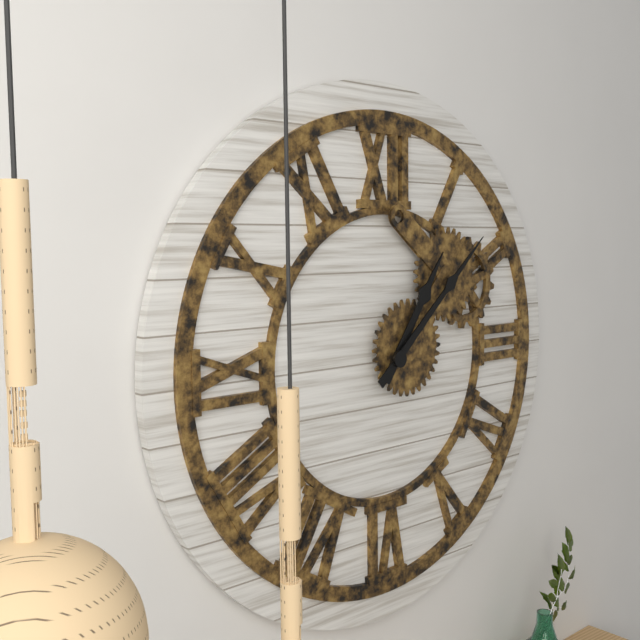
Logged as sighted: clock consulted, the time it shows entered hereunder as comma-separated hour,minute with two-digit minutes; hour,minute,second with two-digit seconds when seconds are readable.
1,08
